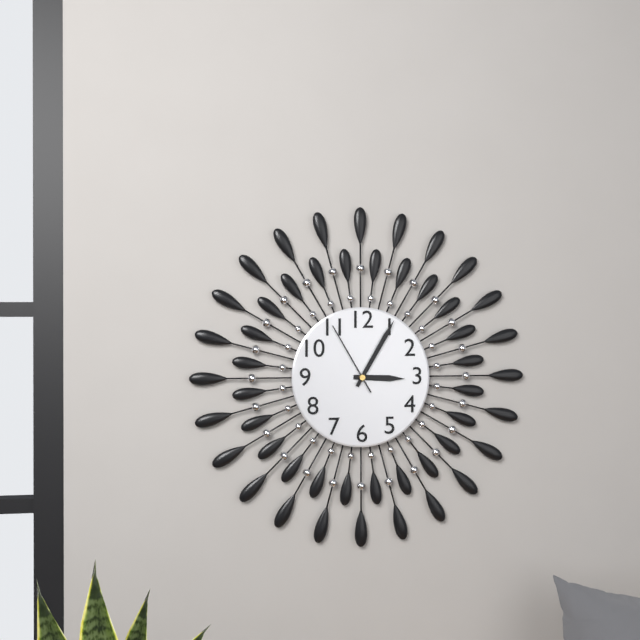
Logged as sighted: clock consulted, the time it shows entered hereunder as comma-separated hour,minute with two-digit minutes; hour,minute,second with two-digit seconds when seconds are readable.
3,05,55
